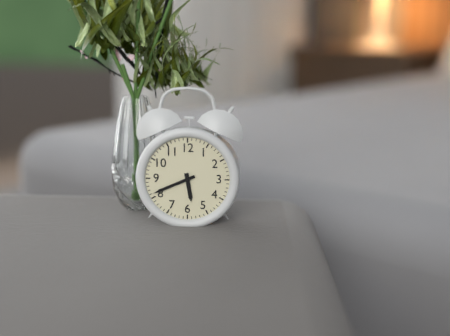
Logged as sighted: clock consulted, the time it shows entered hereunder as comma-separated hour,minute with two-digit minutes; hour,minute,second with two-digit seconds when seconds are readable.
5,41
